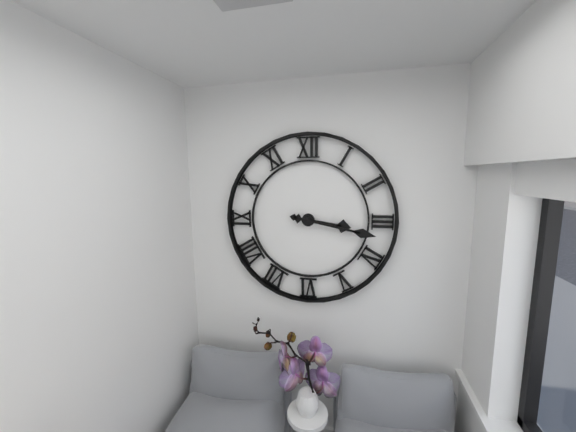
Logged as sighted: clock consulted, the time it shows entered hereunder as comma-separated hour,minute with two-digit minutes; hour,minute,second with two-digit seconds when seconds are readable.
3,17
